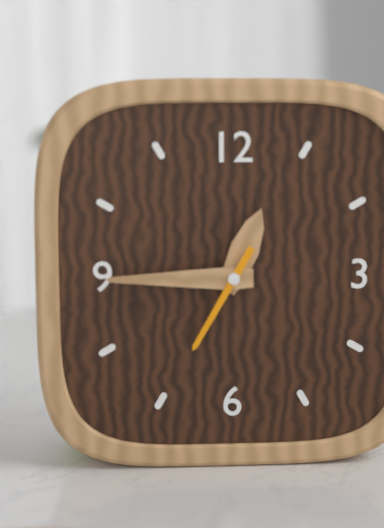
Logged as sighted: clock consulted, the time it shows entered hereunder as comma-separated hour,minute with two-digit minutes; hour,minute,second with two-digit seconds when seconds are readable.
12,45,35
